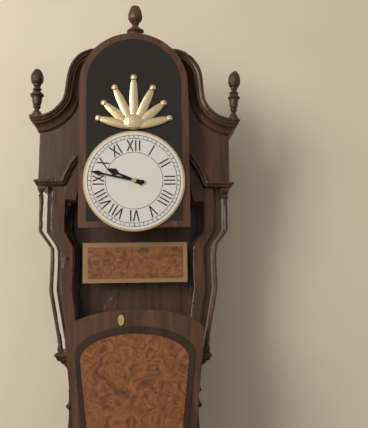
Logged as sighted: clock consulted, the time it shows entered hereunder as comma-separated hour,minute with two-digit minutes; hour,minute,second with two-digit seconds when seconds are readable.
9,47
